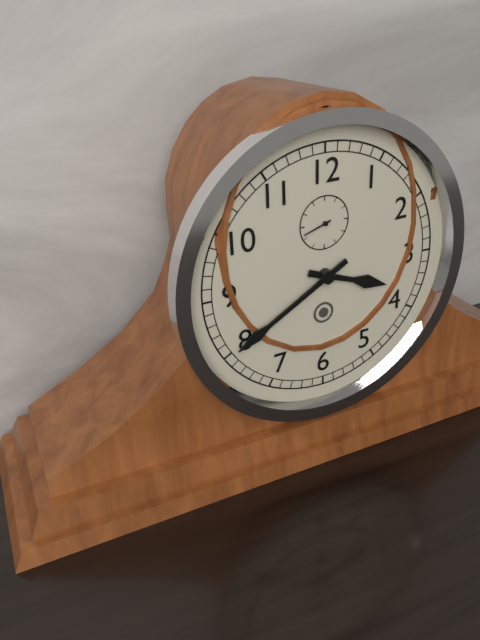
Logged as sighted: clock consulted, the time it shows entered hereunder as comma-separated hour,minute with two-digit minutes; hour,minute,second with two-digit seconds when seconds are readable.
3,40
